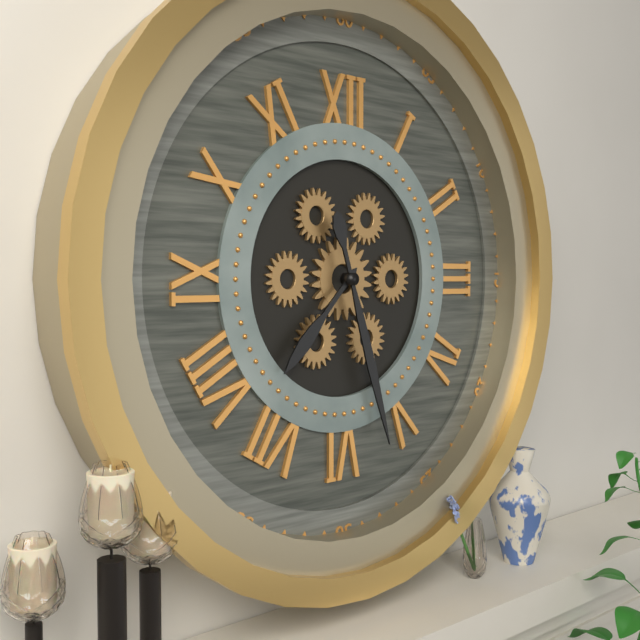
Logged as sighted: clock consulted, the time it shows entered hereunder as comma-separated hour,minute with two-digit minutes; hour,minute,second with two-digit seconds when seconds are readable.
7,27
